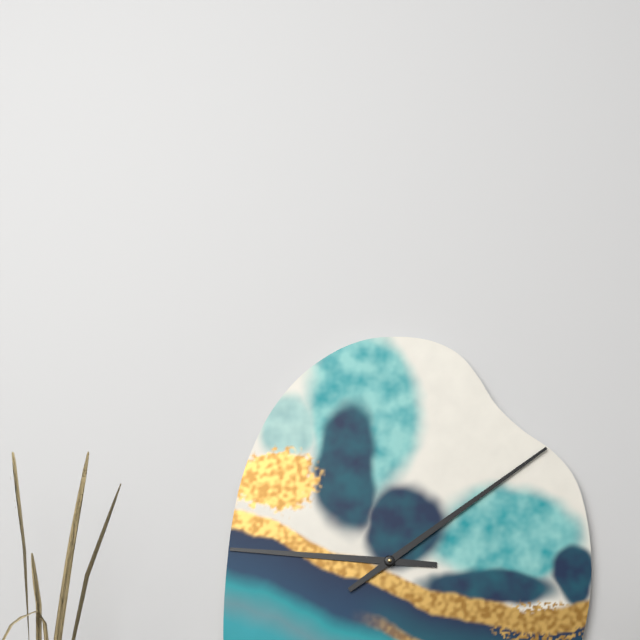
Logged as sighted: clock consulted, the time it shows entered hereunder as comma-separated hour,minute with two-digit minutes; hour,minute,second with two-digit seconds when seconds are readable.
9,09
